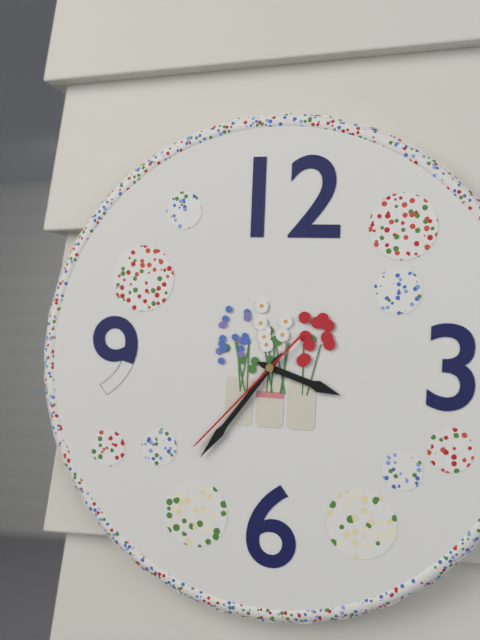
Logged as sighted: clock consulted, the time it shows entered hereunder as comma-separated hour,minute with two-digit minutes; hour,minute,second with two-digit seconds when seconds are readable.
3,36,37
